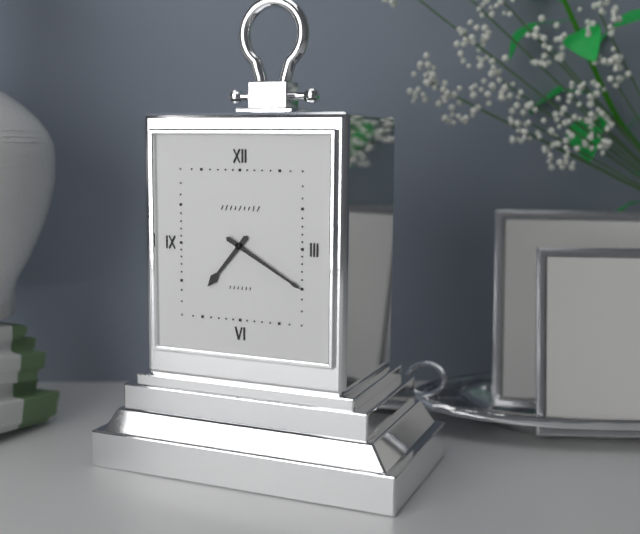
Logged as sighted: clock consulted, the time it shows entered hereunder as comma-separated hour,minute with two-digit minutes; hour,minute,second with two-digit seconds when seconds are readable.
7,20
